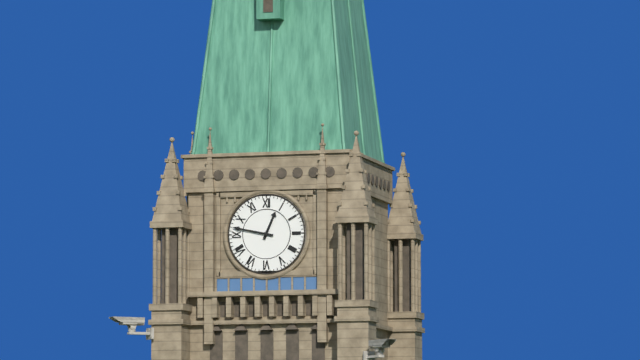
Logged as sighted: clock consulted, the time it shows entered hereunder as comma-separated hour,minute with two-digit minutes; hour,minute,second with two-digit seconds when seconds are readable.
12,47
